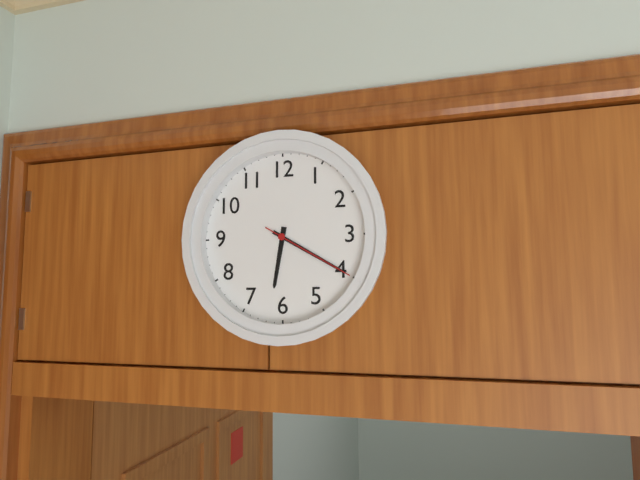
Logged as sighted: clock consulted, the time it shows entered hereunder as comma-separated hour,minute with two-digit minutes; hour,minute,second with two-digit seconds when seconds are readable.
6,20,20
